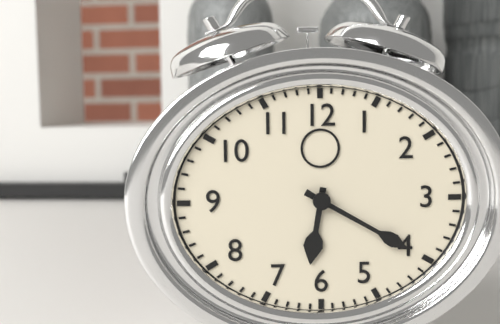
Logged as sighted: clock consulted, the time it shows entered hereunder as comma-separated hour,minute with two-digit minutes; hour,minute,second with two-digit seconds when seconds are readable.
6,20
